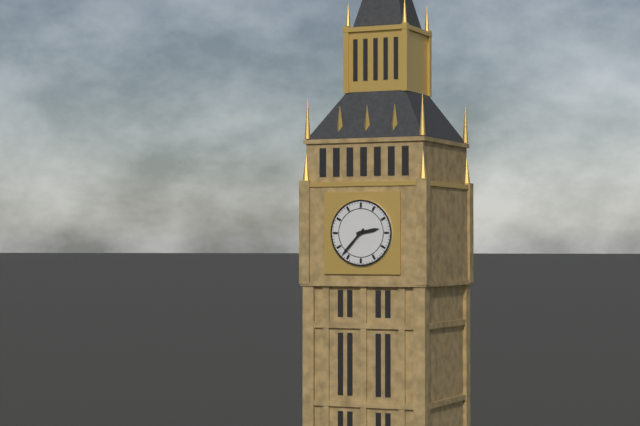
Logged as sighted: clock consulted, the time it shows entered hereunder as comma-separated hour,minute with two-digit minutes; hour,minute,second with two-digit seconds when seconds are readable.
2,37
